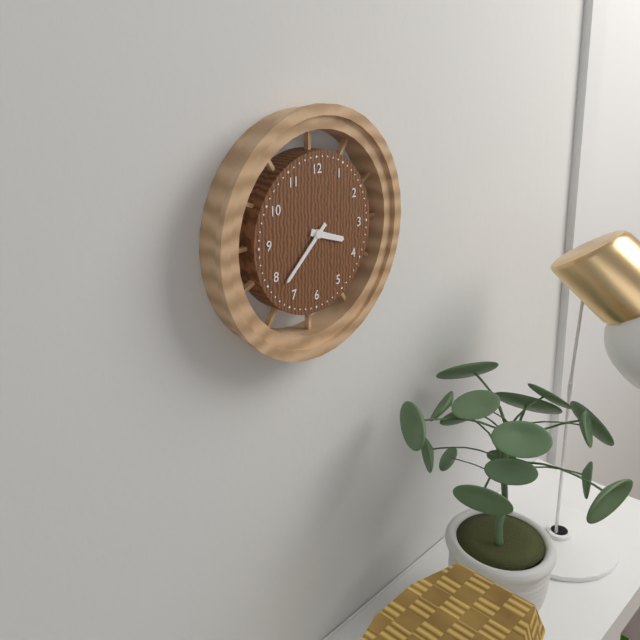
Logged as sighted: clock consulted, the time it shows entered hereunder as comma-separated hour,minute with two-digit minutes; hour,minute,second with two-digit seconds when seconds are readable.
3,38
